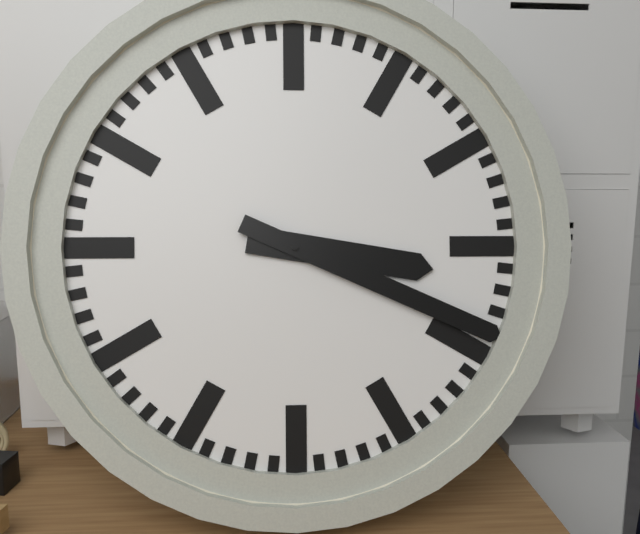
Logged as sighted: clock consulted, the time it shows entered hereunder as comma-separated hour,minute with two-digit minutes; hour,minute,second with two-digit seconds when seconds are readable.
3,19
